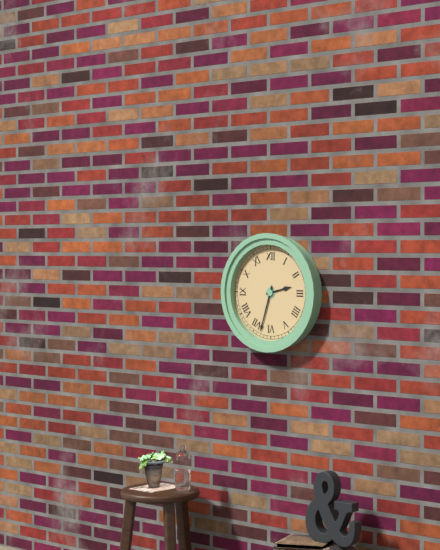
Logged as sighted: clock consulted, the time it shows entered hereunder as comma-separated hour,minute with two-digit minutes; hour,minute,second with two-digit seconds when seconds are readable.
2,33
